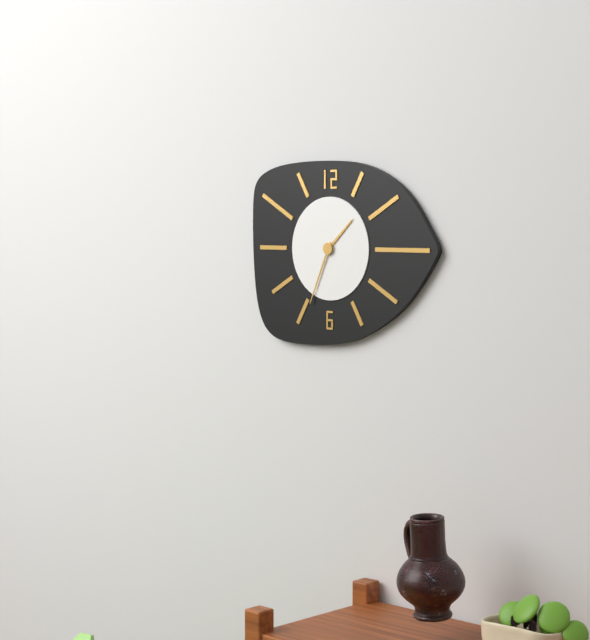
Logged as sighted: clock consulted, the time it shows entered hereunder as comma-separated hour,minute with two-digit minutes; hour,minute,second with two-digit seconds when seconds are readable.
1,34
